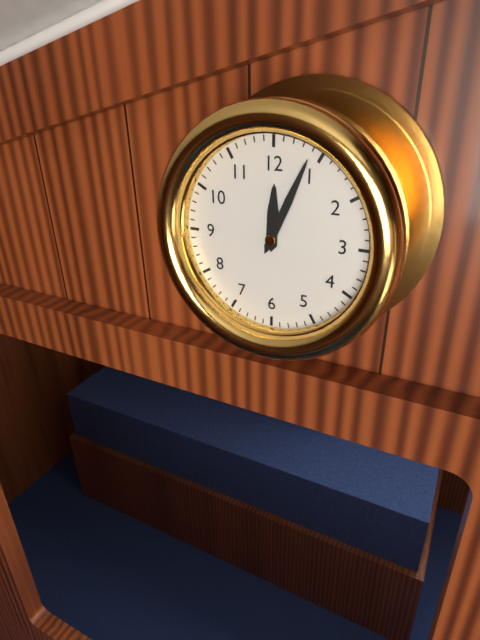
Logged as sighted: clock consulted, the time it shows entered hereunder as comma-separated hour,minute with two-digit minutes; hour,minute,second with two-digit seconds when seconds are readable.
12,04
